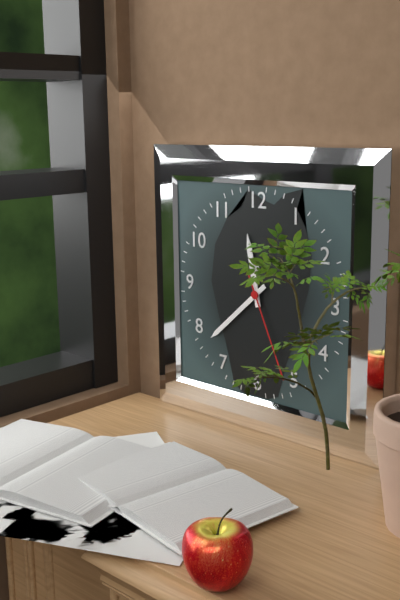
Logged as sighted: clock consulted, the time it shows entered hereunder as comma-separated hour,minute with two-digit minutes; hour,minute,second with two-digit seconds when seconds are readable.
11,38,26
